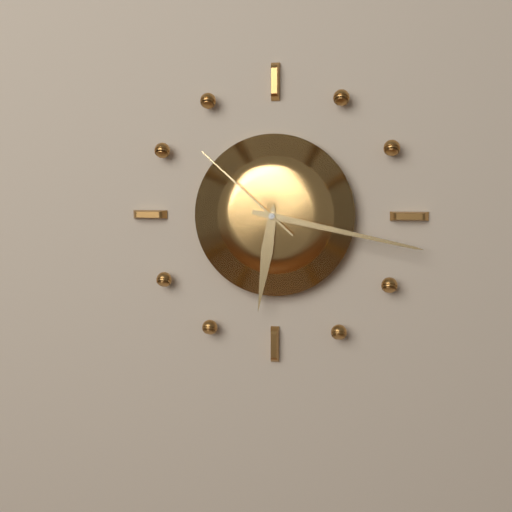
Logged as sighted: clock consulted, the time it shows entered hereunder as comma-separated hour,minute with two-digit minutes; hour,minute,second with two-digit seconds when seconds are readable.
6,17,52
